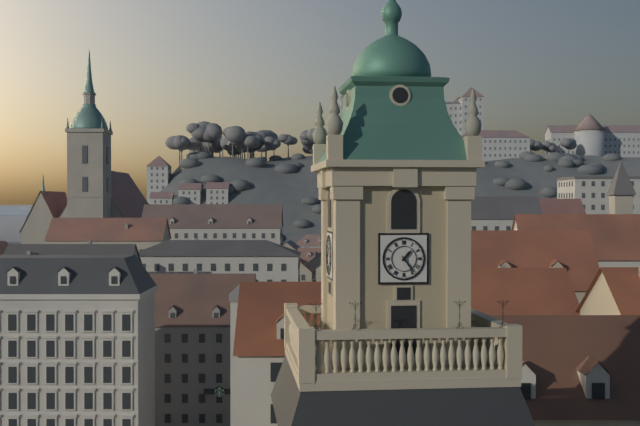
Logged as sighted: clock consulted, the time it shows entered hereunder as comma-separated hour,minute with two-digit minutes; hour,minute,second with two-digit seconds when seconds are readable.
1,24
